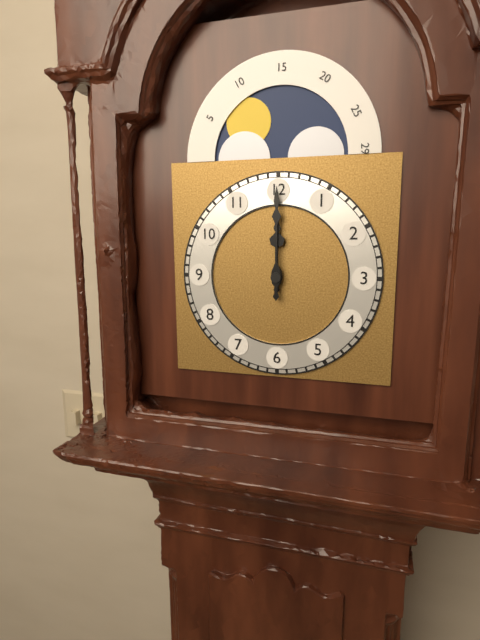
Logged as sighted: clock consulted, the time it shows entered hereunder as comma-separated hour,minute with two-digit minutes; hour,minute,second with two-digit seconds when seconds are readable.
12,00
